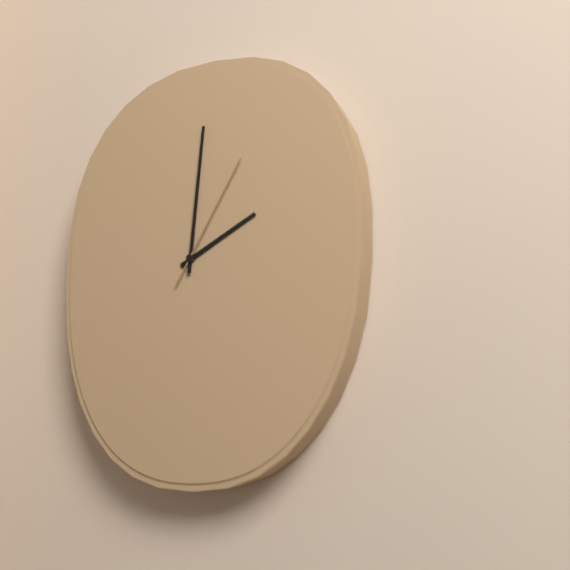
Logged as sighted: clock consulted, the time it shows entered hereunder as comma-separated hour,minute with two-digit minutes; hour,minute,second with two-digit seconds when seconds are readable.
2,01,05
